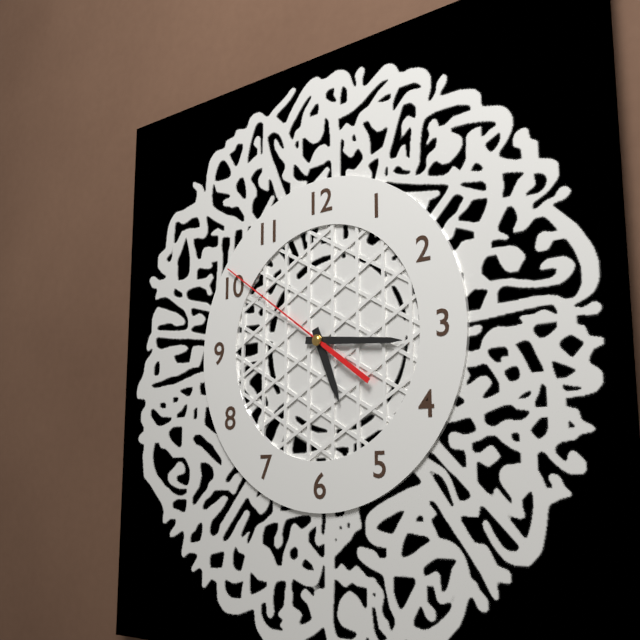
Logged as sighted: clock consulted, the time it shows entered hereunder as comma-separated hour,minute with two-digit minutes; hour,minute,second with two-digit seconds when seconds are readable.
5,16,51
